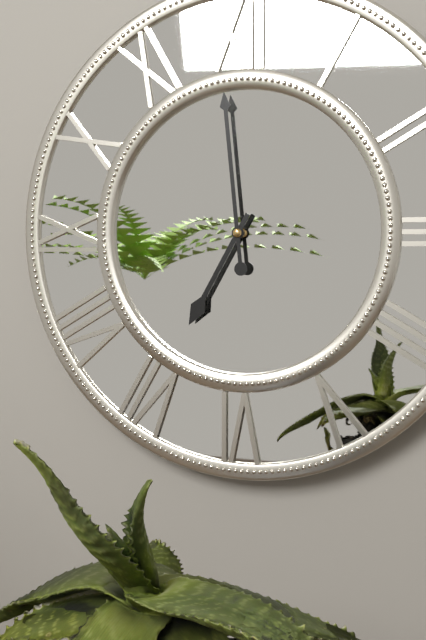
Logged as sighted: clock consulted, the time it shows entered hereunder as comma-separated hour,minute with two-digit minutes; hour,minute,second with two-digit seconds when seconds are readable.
6,59
